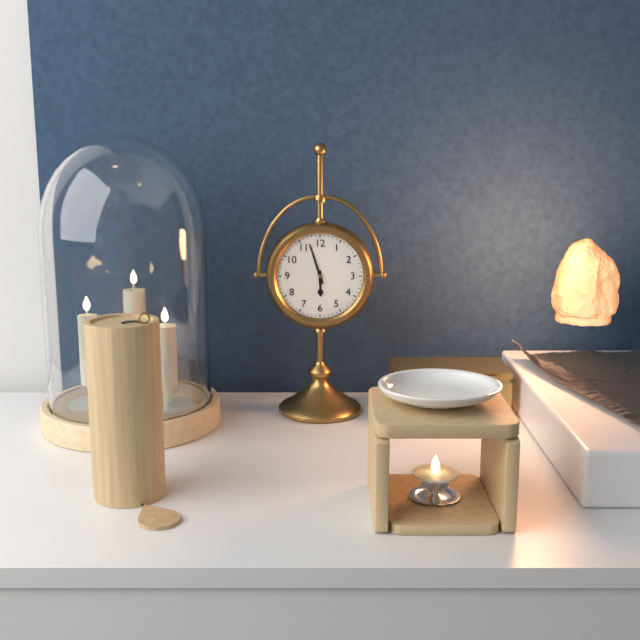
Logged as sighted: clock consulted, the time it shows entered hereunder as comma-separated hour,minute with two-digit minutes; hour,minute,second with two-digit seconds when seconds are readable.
5,57
